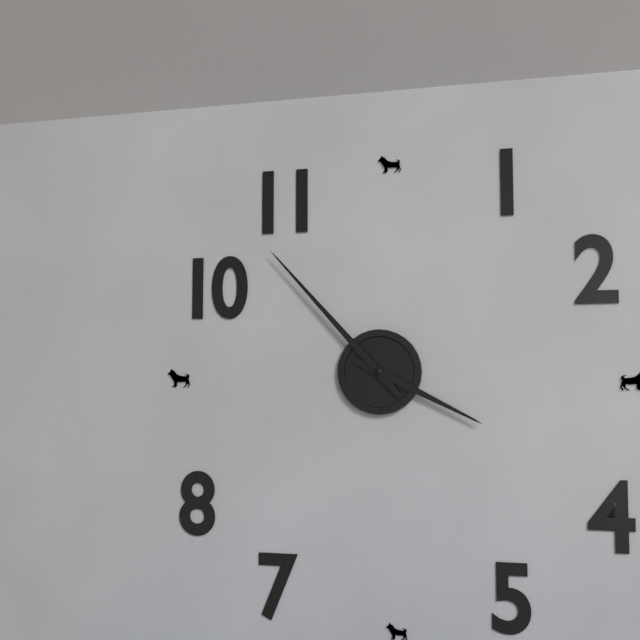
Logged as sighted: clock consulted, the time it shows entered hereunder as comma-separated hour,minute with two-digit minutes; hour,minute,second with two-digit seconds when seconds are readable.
3,53
